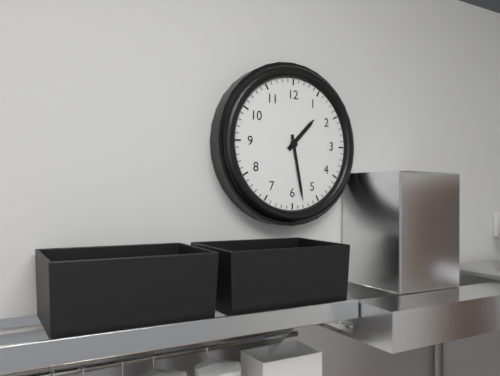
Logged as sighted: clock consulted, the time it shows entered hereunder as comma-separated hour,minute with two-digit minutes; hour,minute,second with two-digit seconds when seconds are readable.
1,28
